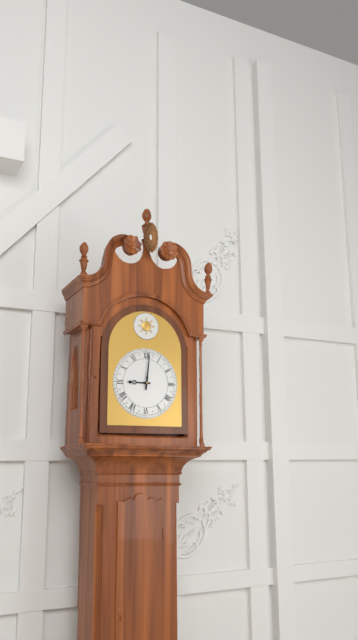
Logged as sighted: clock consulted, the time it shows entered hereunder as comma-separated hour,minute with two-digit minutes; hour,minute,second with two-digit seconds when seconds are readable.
9,01
